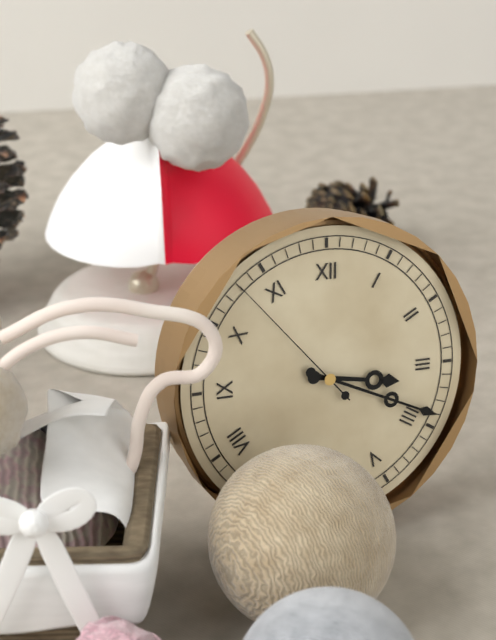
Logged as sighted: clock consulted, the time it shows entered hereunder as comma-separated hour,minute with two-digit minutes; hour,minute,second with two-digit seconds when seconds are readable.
3,19,53
